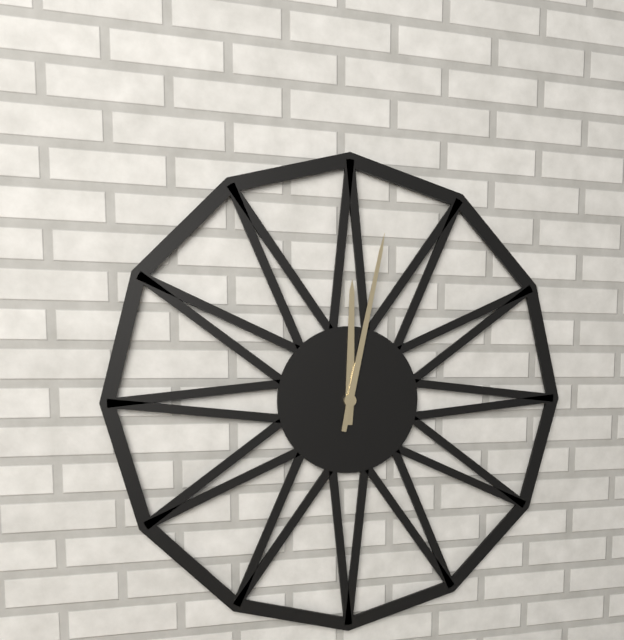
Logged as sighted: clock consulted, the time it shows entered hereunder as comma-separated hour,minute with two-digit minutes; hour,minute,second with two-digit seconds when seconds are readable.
12,02
